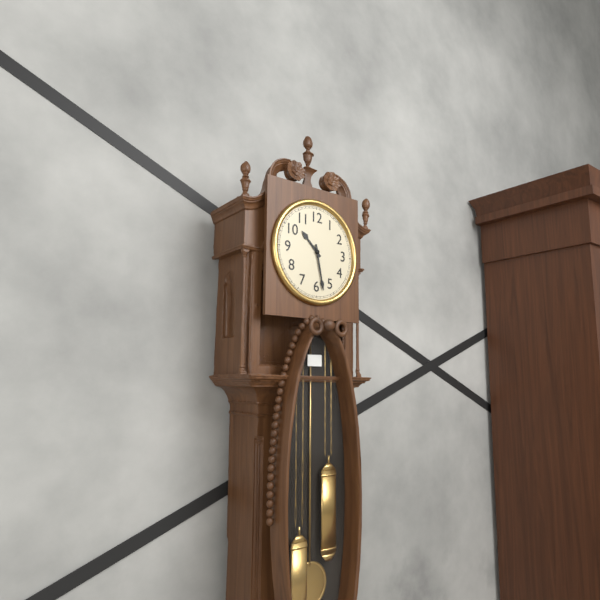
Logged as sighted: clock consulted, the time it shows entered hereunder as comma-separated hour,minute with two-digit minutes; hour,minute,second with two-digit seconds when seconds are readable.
10,28
